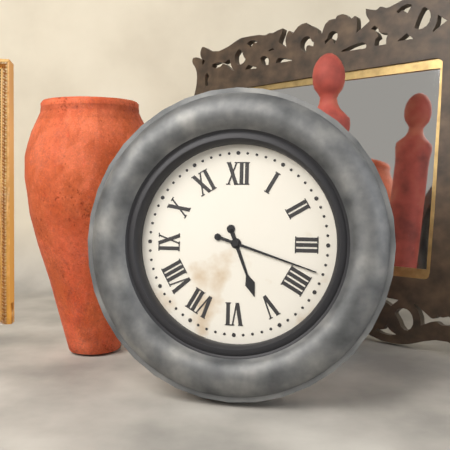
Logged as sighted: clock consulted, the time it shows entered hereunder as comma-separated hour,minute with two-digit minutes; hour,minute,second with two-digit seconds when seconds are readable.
5,18
